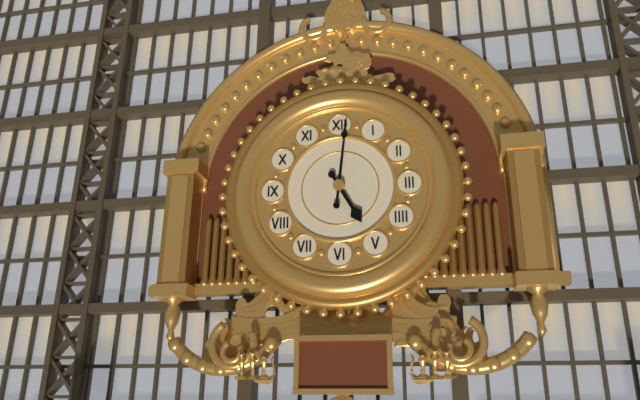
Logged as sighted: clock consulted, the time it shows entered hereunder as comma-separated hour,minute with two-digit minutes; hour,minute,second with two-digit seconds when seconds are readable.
5,01
